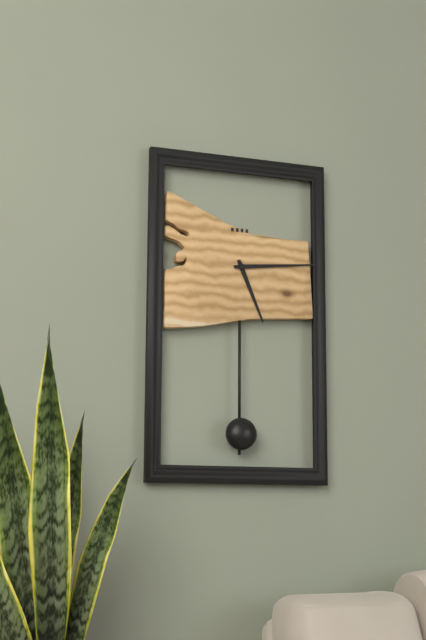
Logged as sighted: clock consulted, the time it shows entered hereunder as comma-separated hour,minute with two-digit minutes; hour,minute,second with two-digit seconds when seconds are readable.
5,14
